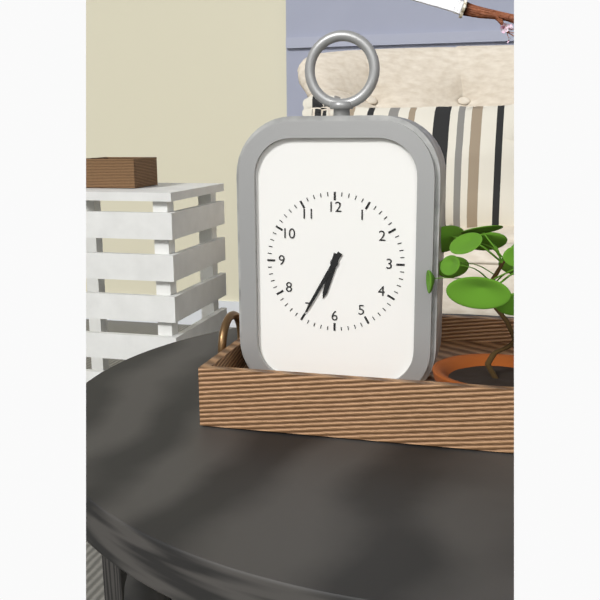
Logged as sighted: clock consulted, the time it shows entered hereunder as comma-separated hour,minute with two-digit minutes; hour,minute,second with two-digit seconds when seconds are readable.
6,35
